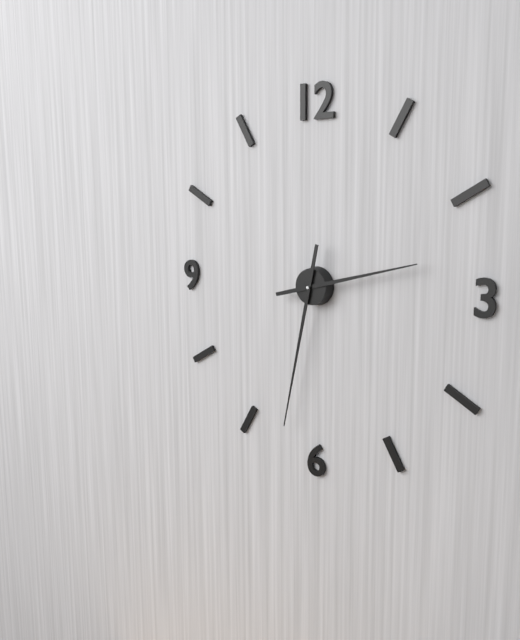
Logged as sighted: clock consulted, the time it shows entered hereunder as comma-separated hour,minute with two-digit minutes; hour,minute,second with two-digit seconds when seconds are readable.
2,32
